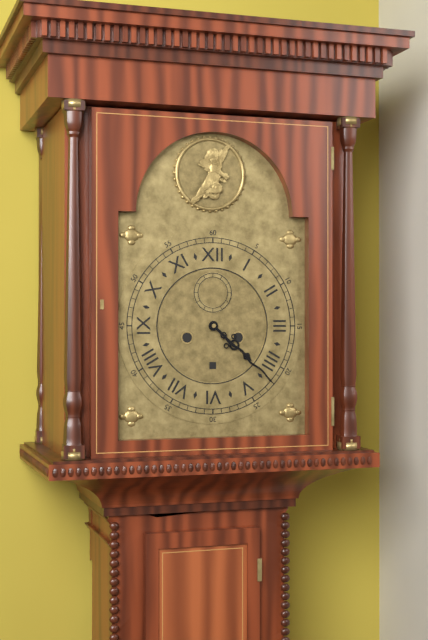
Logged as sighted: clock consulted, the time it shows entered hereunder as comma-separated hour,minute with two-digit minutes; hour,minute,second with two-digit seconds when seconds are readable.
4,22
